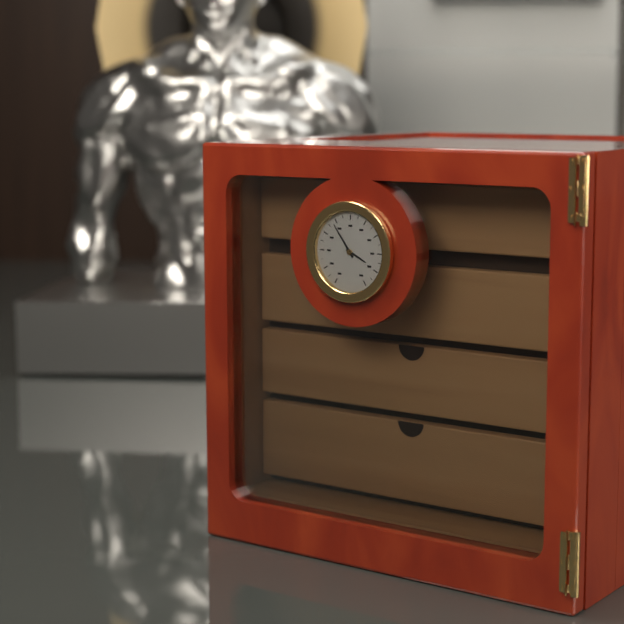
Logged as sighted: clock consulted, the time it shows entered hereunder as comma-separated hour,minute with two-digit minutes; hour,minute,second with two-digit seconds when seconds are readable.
3,54
